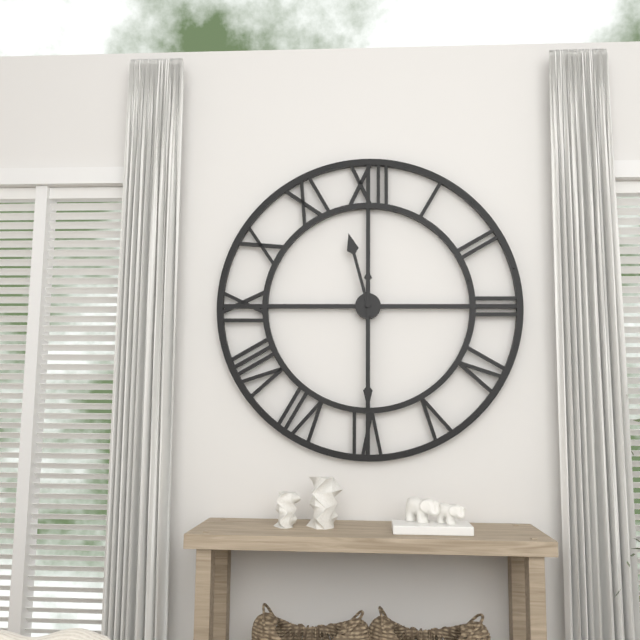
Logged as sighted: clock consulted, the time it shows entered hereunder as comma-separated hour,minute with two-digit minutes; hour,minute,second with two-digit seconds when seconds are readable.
11,30
